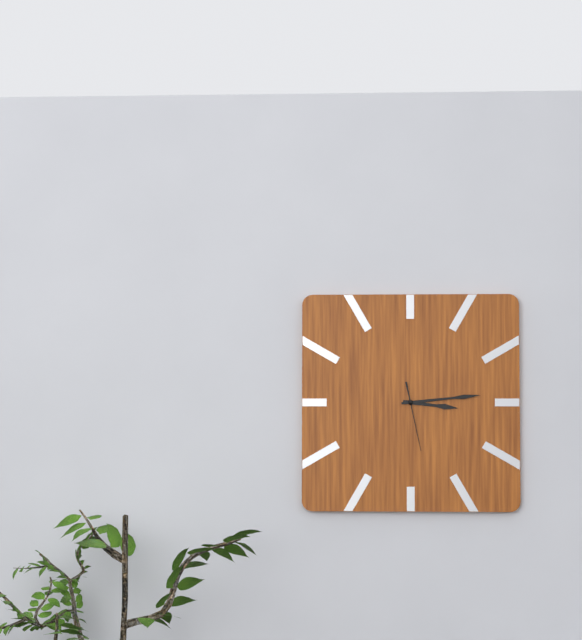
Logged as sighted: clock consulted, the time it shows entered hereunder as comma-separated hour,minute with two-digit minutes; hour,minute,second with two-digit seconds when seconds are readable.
3,14,28
